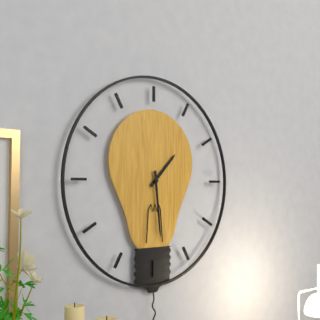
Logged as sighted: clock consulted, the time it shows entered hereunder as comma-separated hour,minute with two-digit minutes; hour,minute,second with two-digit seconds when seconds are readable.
1,29
